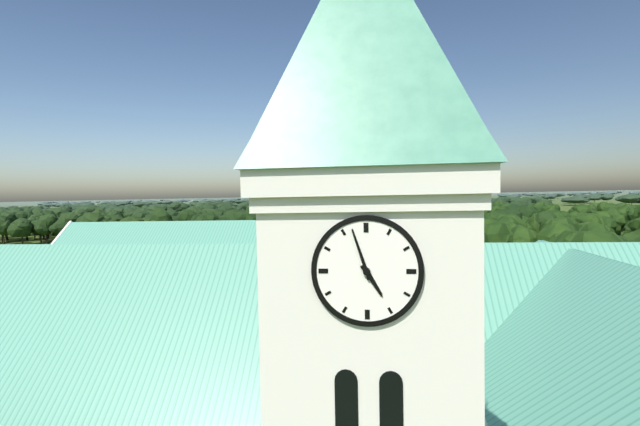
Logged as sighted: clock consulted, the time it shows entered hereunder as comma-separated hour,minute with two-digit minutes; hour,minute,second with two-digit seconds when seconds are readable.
4,57
